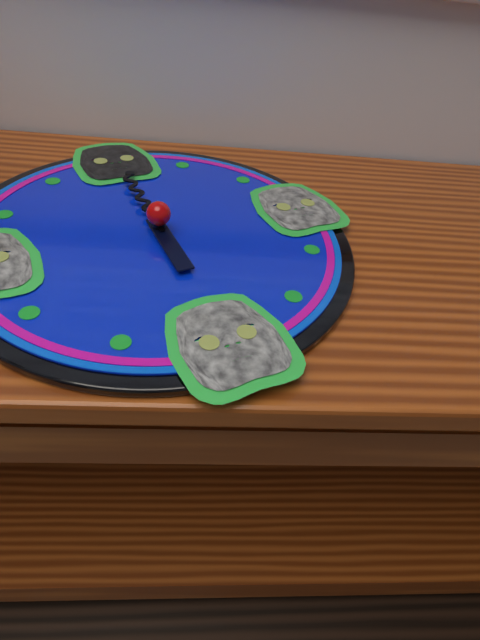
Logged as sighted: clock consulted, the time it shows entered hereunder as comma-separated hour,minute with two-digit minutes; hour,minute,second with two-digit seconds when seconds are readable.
6,00
